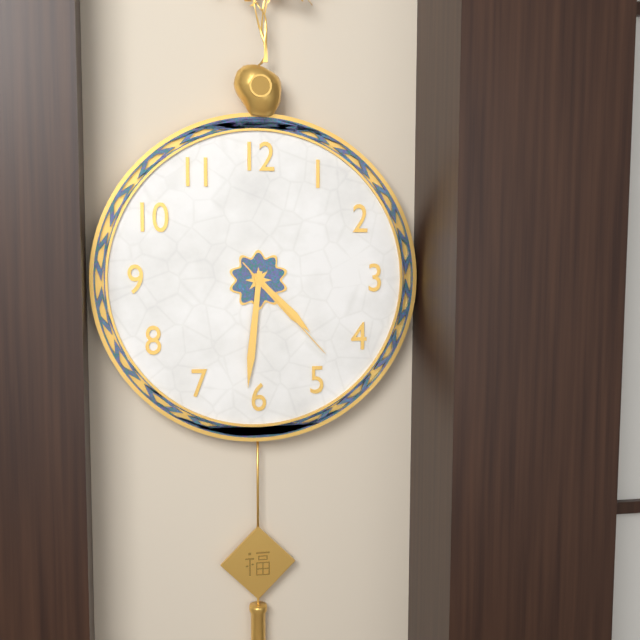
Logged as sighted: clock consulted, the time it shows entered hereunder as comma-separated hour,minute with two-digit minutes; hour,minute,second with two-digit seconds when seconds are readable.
4,31,23
